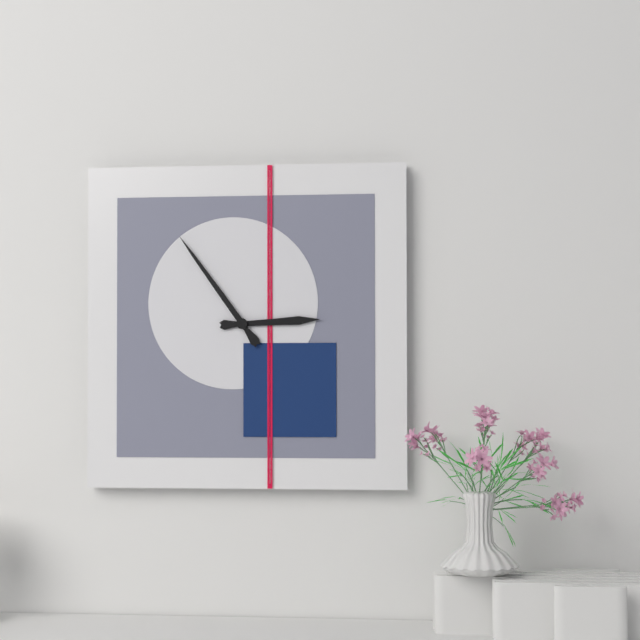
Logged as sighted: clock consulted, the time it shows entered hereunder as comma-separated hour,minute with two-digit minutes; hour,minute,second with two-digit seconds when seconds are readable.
2,54
